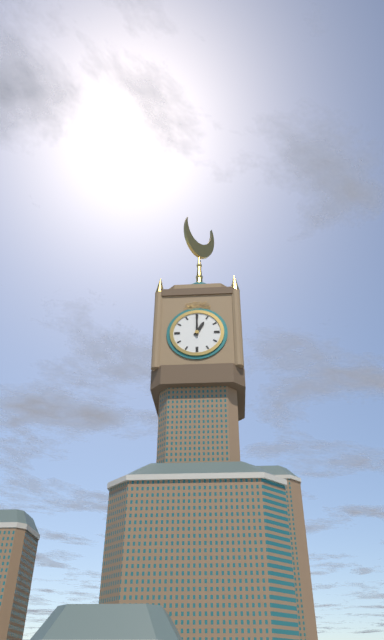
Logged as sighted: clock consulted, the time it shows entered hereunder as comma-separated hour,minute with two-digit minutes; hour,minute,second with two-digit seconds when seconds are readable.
1,00
